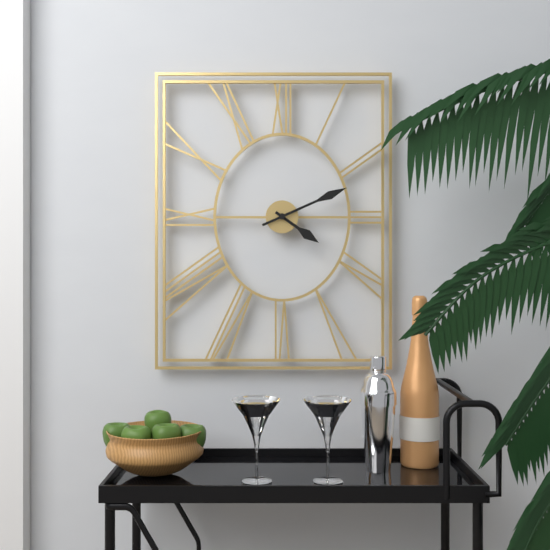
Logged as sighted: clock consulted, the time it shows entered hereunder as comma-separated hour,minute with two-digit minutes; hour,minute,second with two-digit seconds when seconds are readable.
4,11
